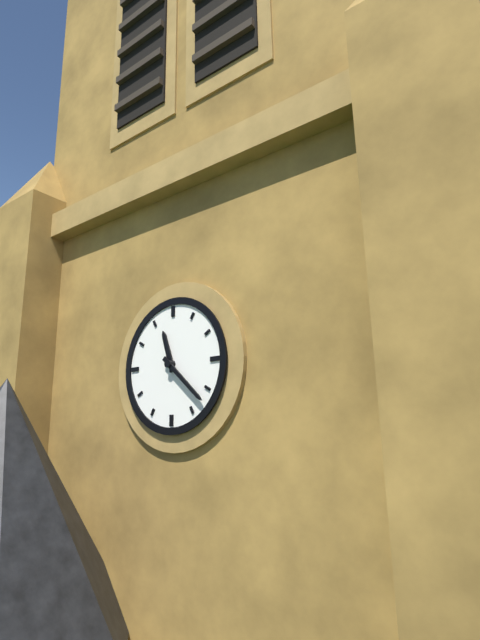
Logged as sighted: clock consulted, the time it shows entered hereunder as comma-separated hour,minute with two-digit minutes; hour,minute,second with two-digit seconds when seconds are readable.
11,22
